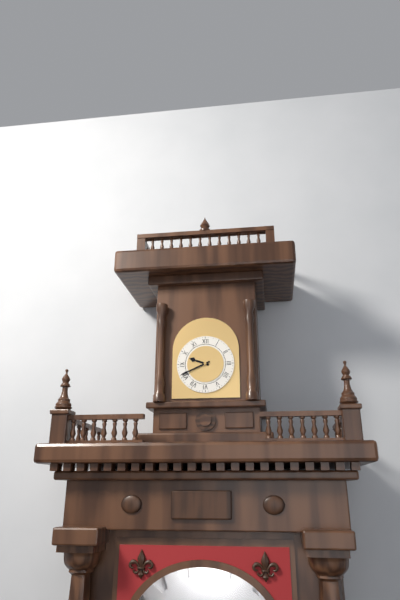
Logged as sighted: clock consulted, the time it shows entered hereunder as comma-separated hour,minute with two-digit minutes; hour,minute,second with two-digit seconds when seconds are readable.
9,41
